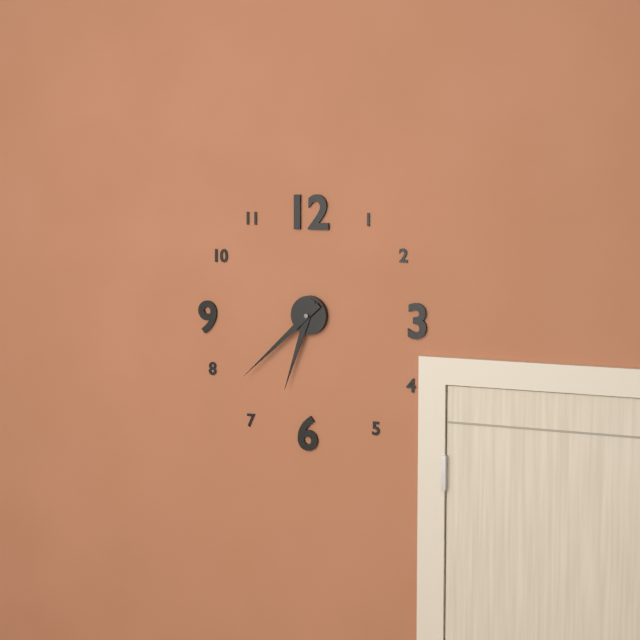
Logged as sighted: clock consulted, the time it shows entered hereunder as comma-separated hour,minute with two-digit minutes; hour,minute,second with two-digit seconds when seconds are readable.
6,38
